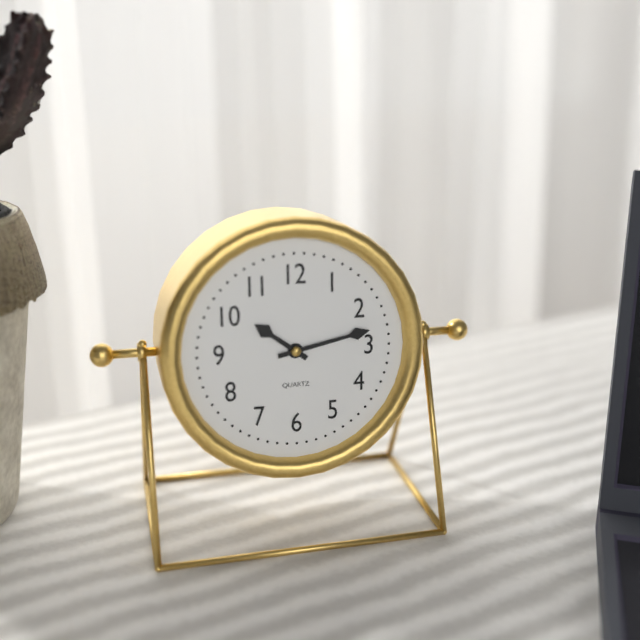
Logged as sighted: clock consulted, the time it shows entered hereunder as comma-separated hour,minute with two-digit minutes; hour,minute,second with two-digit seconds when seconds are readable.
10,13
